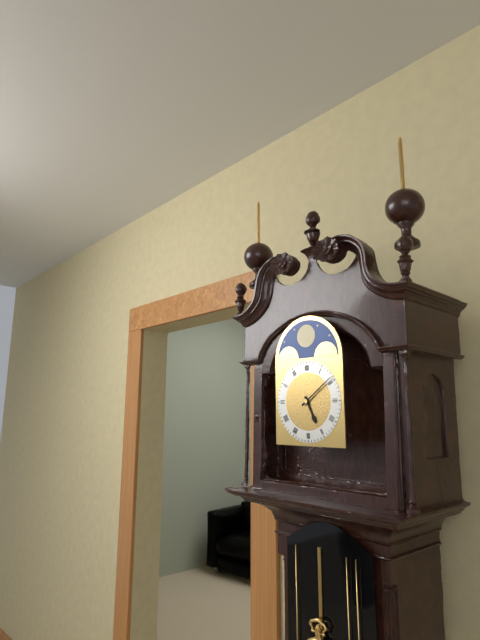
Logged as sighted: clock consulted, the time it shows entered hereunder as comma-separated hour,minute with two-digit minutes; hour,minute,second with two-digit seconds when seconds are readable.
5,09
